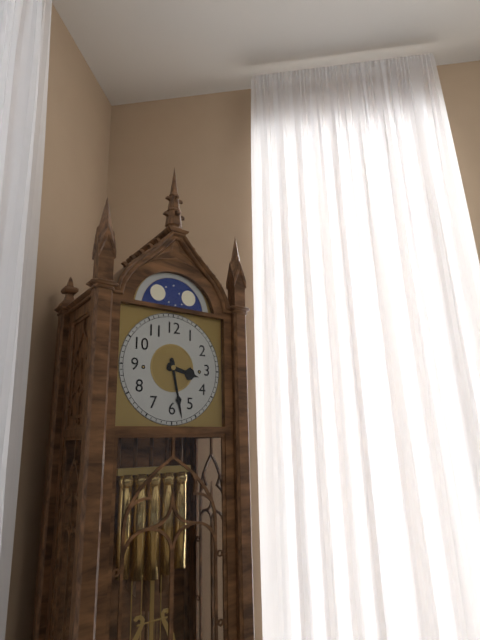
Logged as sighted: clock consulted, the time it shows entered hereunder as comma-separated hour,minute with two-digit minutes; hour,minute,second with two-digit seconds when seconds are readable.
3,28
